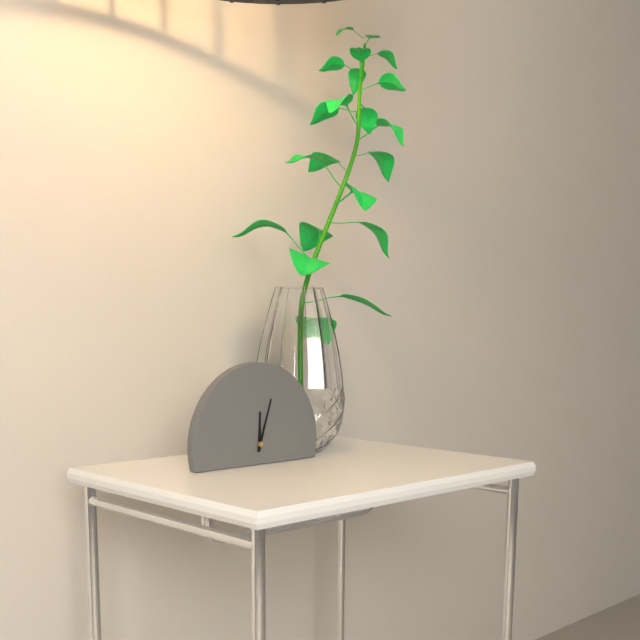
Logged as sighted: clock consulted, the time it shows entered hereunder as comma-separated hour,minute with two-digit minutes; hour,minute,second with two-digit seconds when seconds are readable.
12,03
